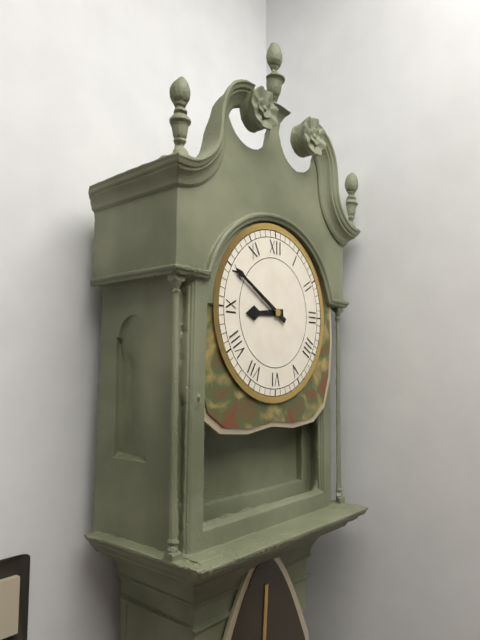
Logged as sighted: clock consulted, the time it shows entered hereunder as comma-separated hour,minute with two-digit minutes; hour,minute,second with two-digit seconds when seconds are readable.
8,50
